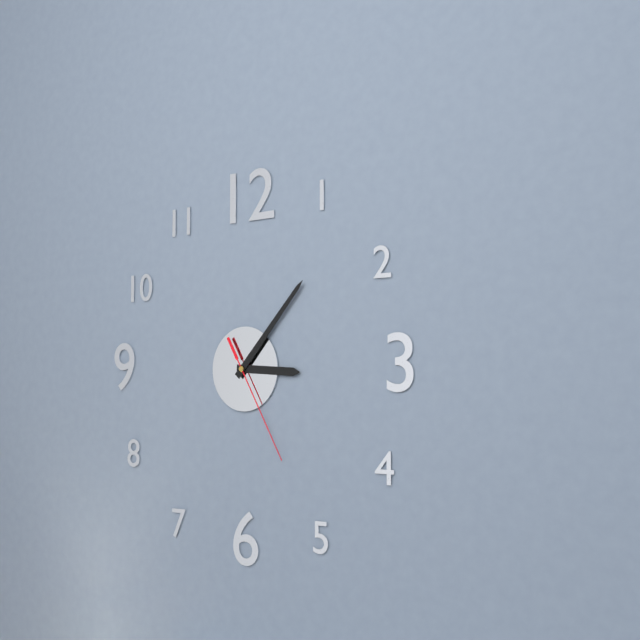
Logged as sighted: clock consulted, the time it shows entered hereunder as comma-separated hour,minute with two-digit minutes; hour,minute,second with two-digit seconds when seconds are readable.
3,07,25
